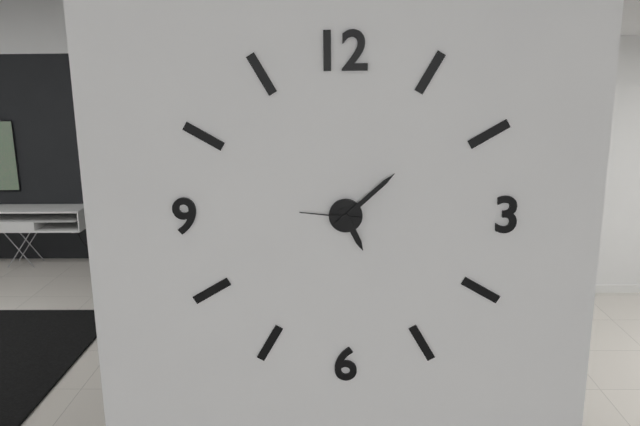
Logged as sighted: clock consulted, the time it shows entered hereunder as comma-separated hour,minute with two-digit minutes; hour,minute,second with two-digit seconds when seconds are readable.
5,08,46
